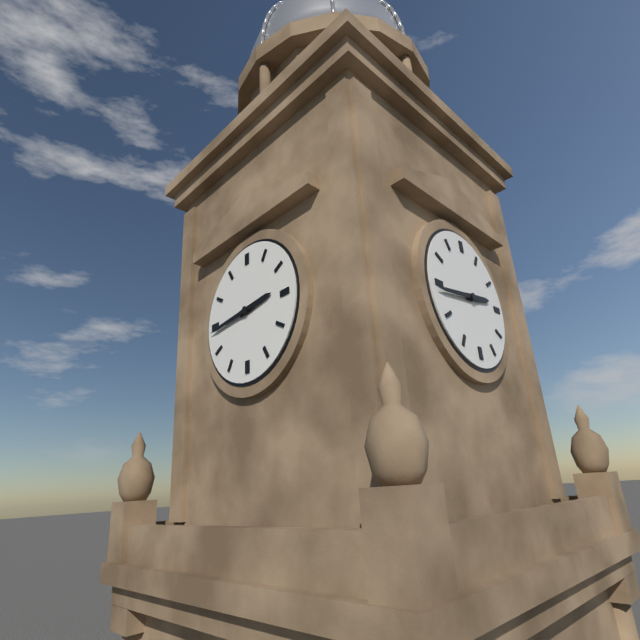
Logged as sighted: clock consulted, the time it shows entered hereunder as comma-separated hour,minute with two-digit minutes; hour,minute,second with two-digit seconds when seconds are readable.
2,44
